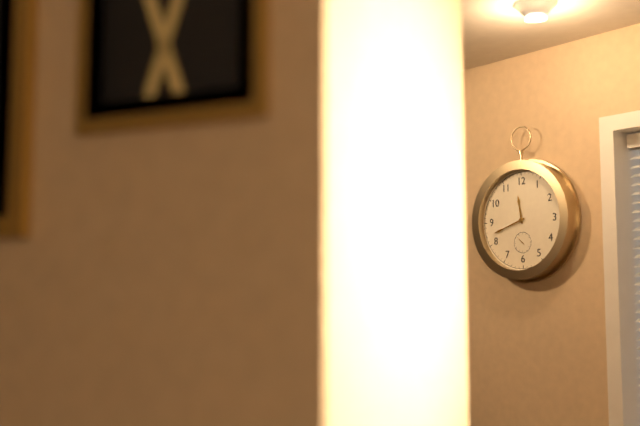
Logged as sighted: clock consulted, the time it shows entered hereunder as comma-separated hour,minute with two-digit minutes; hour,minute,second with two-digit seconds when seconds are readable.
11,42
